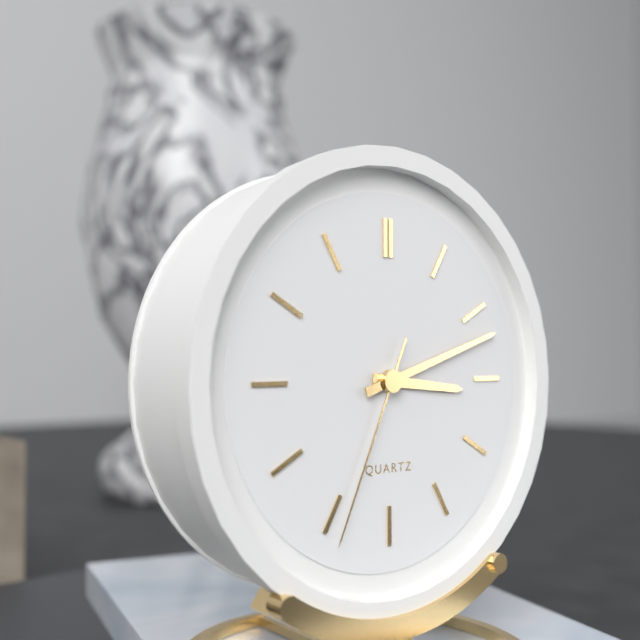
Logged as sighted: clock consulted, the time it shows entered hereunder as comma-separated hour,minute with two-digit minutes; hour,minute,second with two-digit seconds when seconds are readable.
3,12,34
